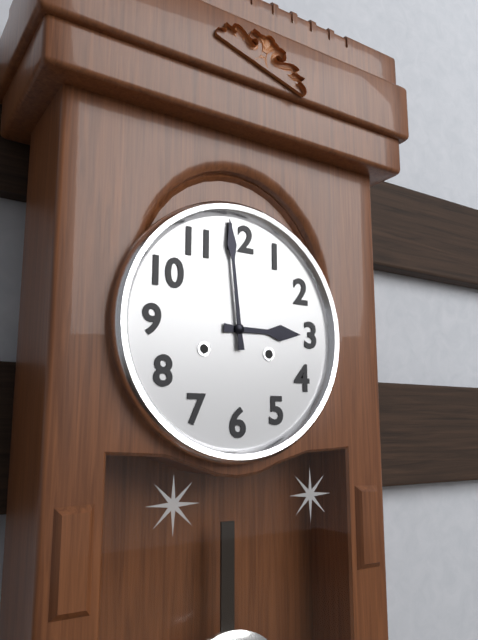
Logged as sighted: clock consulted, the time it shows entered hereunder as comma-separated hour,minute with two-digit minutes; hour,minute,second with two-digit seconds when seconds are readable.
2,59
